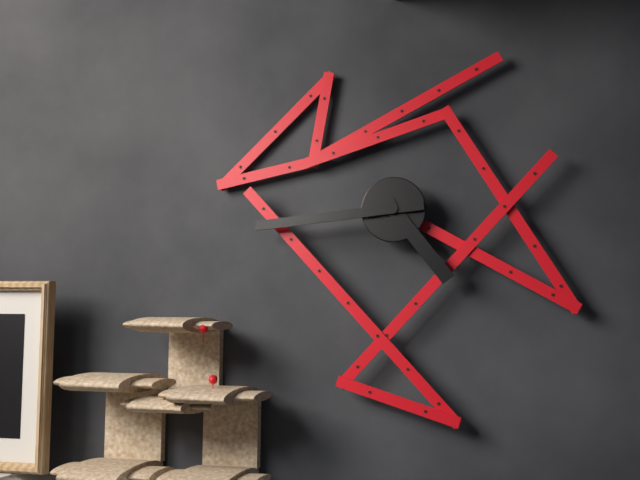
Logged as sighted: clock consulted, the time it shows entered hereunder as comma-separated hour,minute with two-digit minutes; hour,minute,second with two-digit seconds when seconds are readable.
4,44
